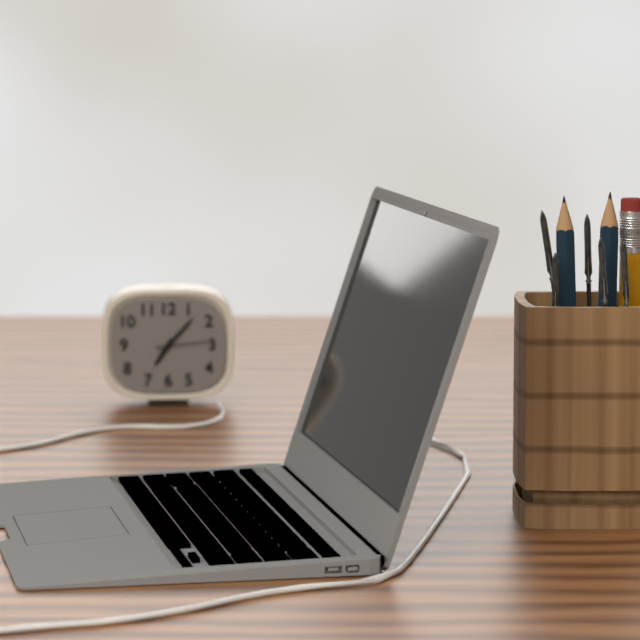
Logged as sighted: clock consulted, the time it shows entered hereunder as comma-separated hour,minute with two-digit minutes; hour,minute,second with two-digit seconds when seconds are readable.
7,07,14
